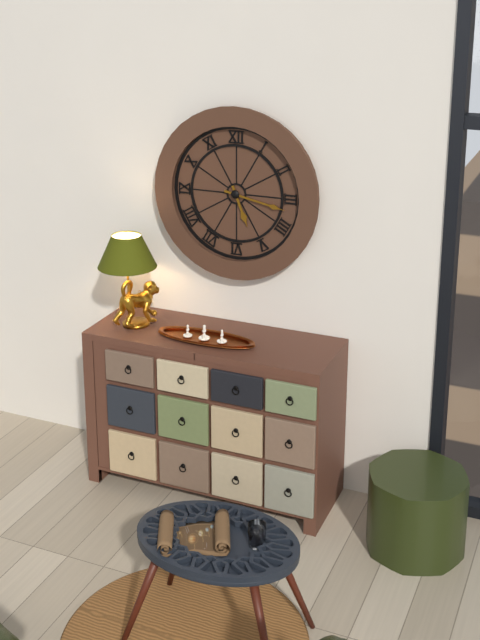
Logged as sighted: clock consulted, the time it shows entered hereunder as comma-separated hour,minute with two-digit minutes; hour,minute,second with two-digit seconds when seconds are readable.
5,17
